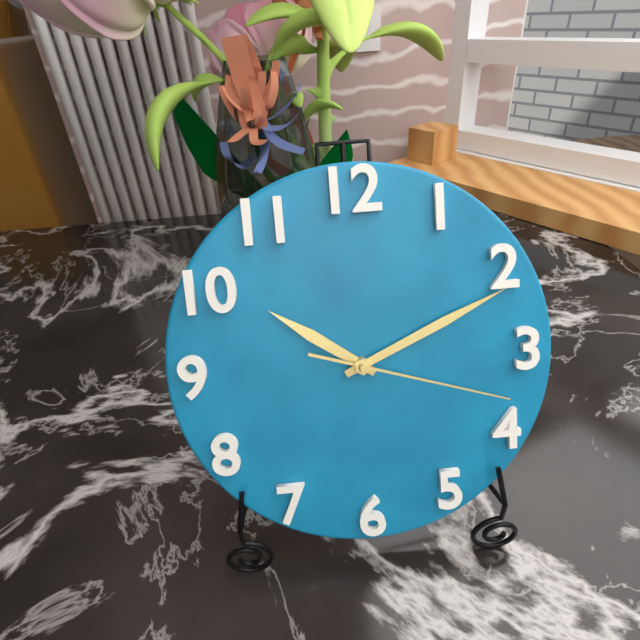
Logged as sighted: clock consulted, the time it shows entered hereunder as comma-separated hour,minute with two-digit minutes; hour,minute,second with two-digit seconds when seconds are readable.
10,11,18
